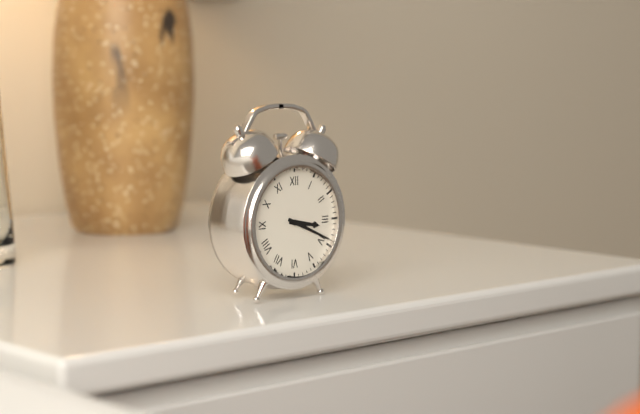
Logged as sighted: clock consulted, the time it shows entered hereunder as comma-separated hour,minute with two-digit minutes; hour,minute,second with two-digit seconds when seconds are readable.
3,19
